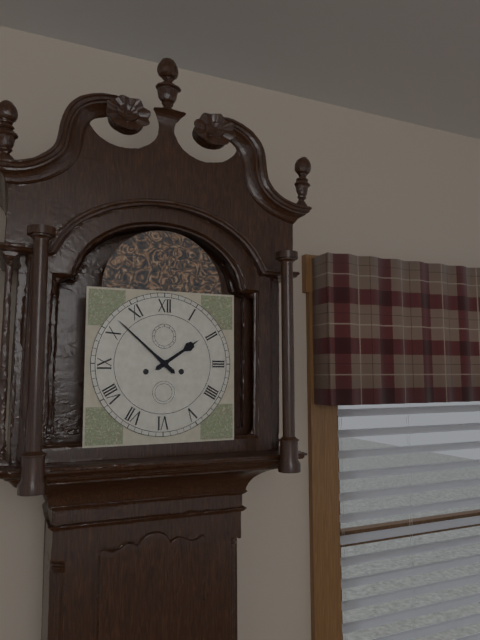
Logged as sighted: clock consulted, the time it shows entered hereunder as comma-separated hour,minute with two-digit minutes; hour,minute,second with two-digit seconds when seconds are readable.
1,52
